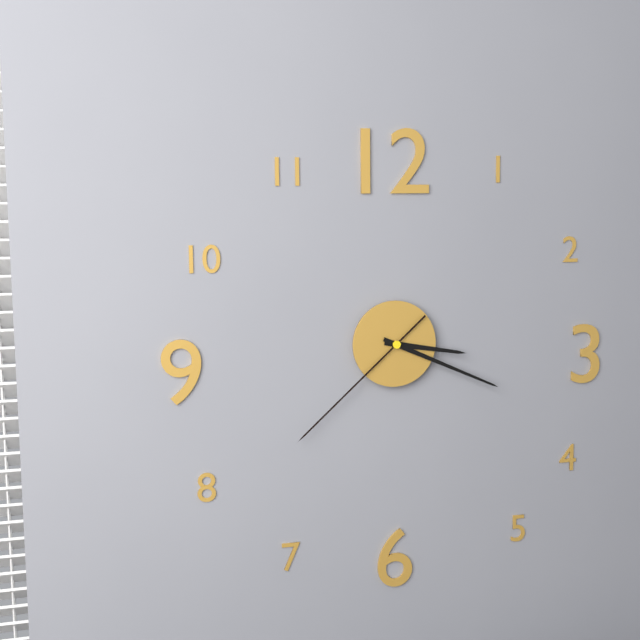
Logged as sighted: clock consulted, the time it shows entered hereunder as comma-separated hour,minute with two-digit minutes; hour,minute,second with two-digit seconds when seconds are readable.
3,19,38
